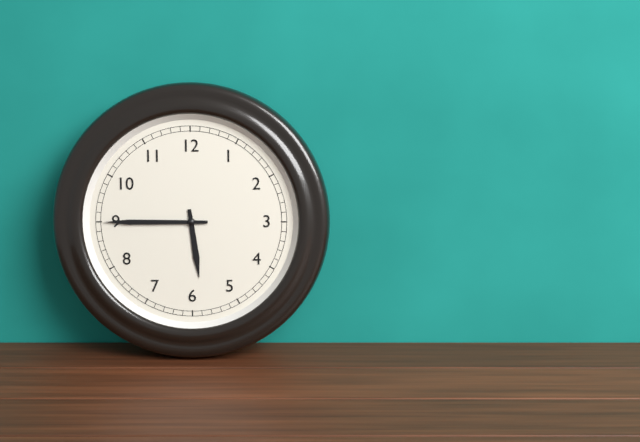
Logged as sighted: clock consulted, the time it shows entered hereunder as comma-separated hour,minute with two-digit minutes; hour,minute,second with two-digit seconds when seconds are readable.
5,45
